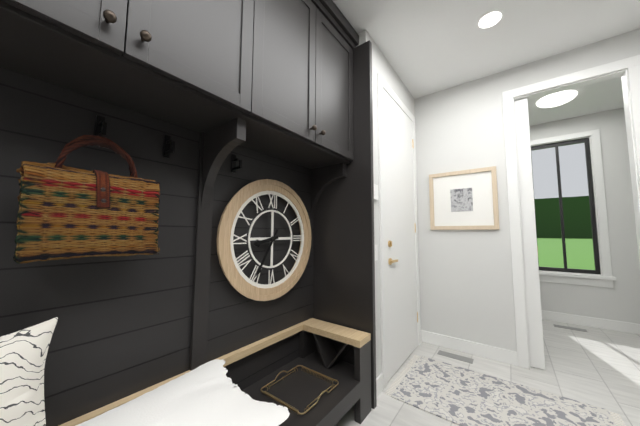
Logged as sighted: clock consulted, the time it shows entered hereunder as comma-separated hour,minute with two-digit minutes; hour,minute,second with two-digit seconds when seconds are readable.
8,35
